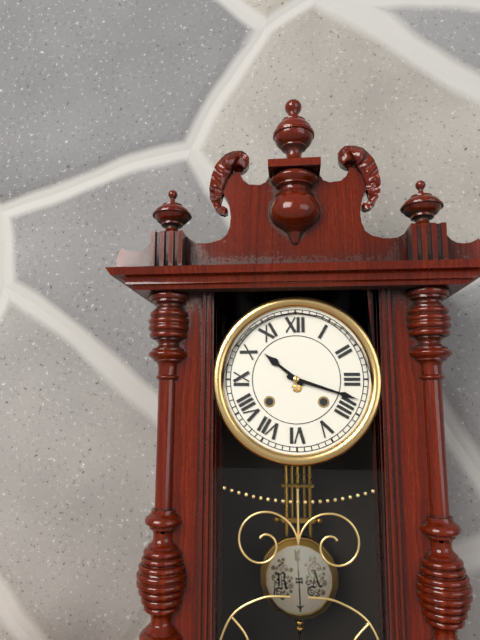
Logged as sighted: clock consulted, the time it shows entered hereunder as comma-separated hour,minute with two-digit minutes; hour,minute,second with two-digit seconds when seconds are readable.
10,18
